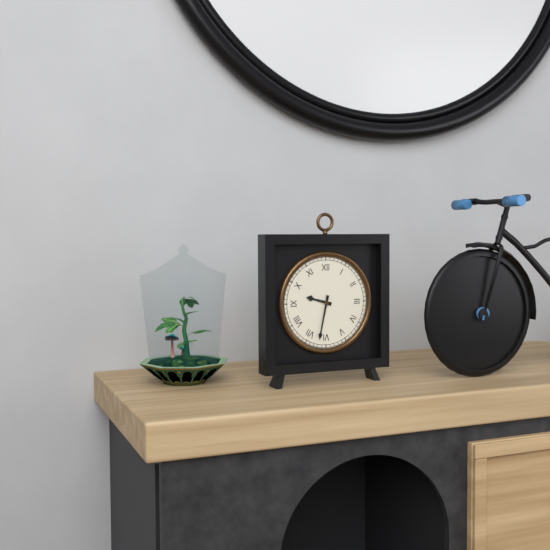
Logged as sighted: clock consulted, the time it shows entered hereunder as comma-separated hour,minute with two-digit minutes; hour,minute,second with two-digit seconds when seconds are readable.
9,32
